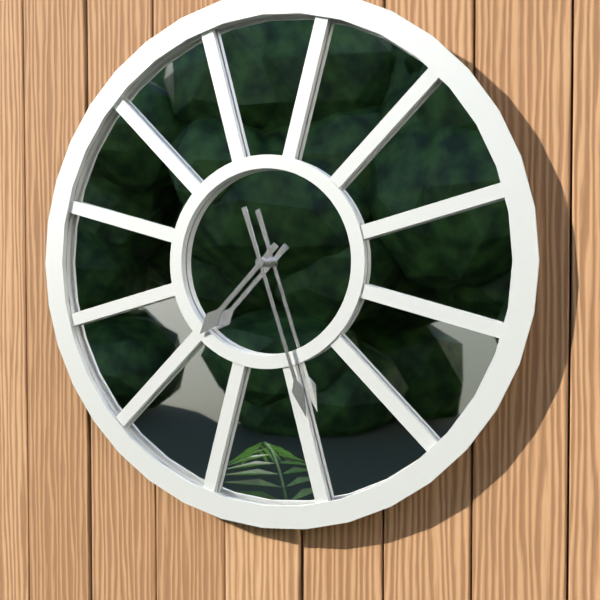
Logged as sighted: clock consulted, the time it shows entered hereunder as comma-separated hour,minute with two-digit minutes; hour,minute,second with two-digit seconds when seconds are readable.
7,27
